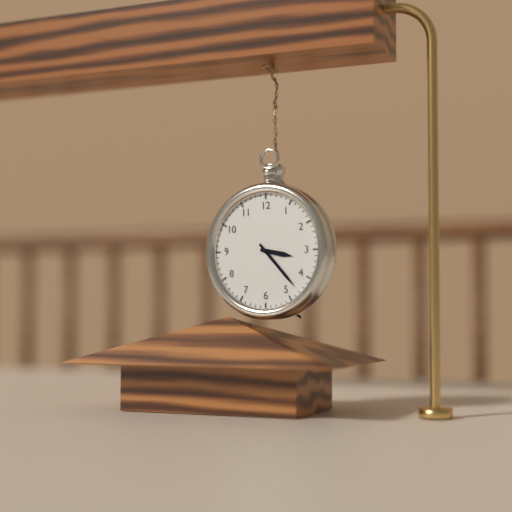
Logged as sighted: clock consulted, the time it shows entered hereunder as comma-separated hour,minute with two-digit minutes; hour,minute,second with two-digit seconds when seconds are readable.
3,23
